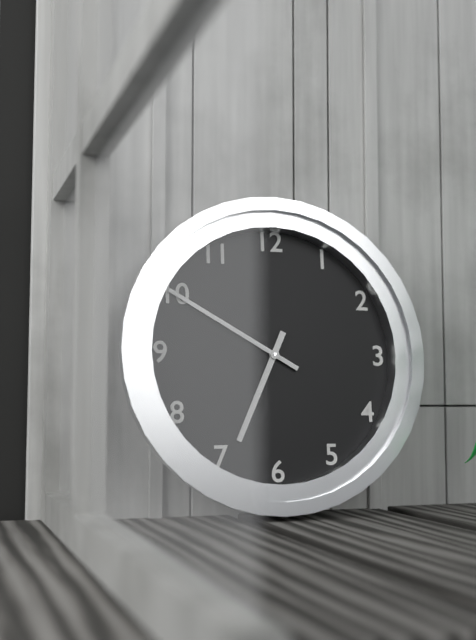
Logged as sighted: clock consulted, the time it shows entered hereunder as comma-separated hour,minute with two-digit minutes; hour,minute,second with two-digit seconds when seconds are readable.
6,50
